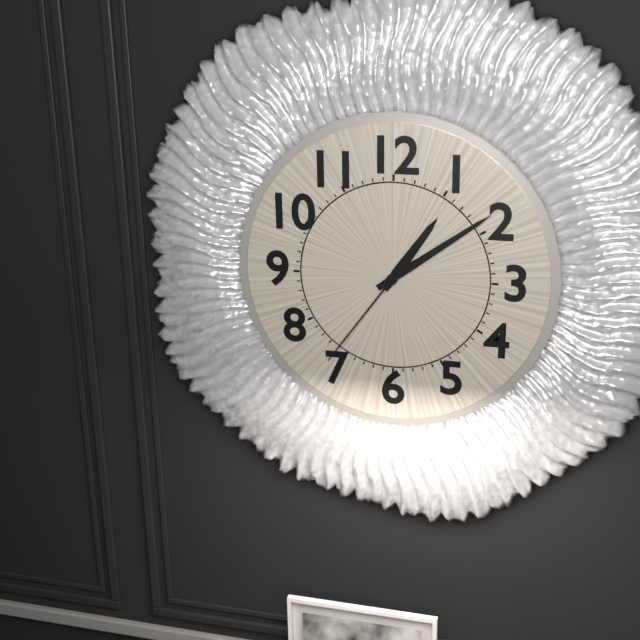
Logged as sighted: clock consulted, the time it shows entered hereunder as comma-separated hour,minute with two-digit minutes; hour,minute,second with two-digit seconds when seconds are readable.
1,09,36
